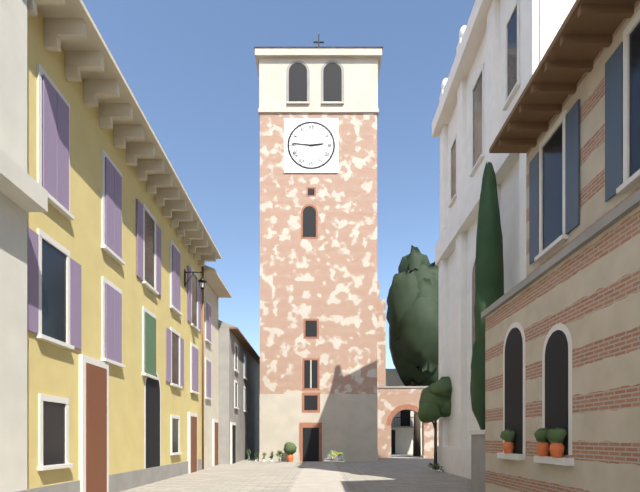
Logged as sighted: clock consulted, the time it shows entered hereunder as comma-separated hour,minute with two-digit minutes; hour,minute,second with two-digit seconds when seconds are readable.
2,46
